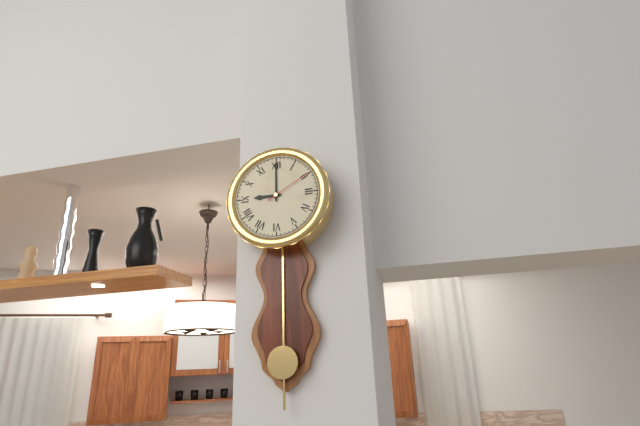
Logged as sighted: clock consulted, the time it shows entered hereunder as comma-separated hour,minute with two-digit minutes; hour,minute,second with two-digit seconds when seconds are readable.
9,00
